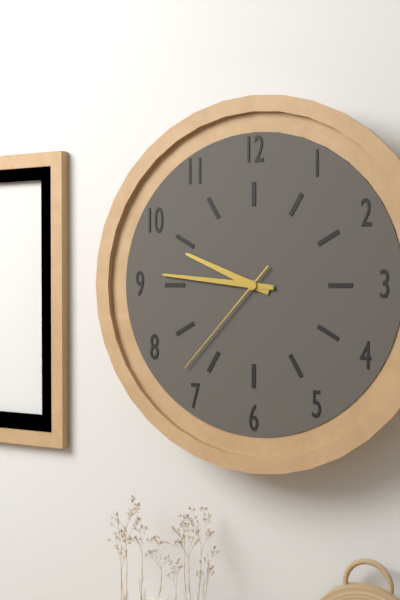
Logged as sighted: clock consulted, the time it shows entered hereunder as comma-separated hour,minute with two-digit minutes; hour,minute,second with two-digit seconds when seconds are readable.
9,46,37
